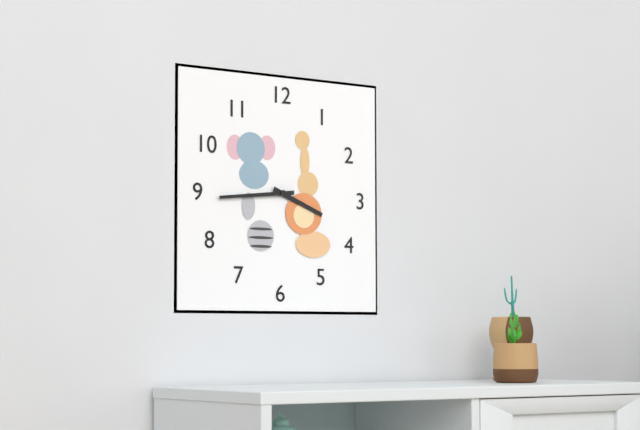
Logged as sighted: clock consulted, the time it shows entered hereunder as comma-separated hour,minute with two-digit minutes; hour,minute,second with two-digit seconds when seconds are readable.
3,44
